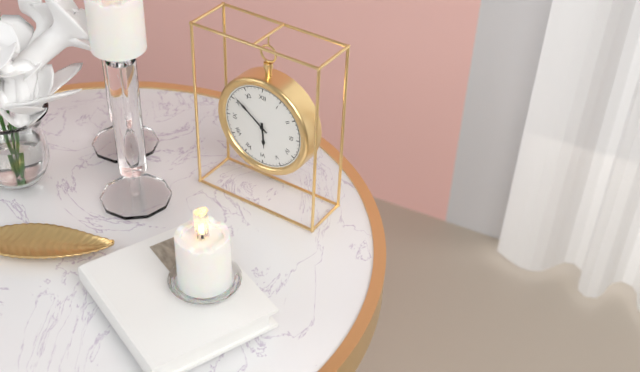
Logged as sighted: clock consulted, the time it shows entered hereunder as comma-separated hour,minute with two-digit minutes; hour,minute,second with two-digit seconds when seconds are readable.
5,51
